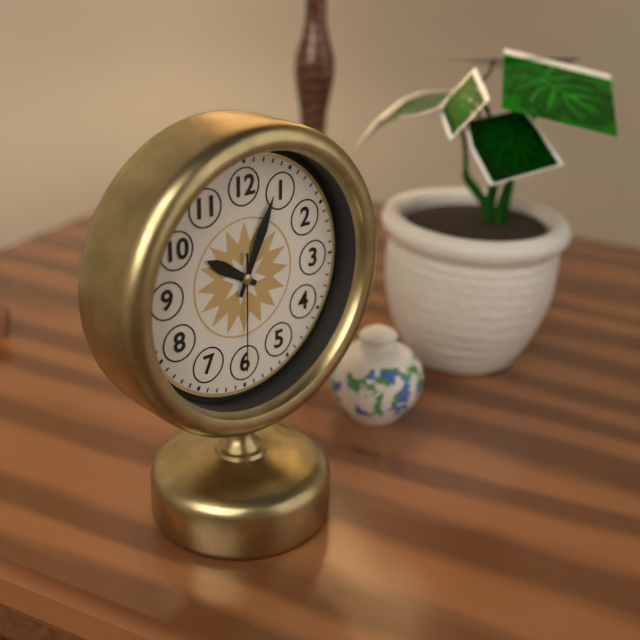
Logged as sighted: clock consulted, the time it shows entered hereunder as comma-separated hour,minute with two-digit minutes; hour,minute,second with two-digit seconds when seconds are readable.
10,04,30
